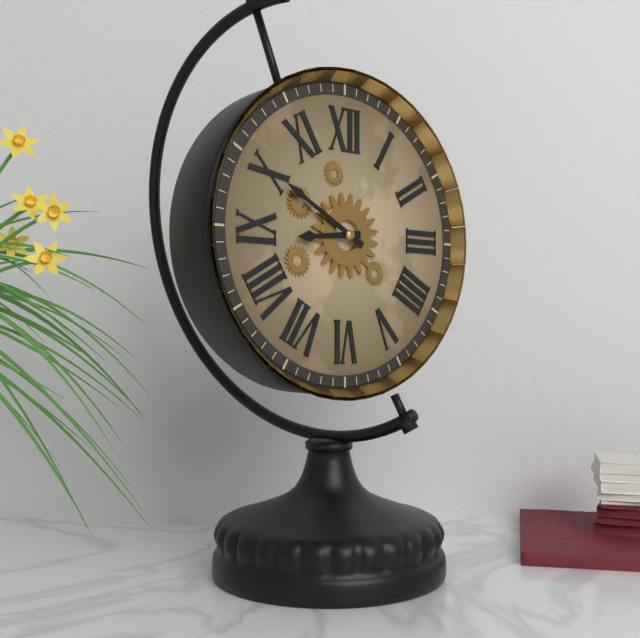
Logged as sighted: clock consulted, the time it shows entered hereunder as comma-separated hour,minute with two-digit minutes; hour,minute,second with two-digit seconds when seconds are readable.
8,50
